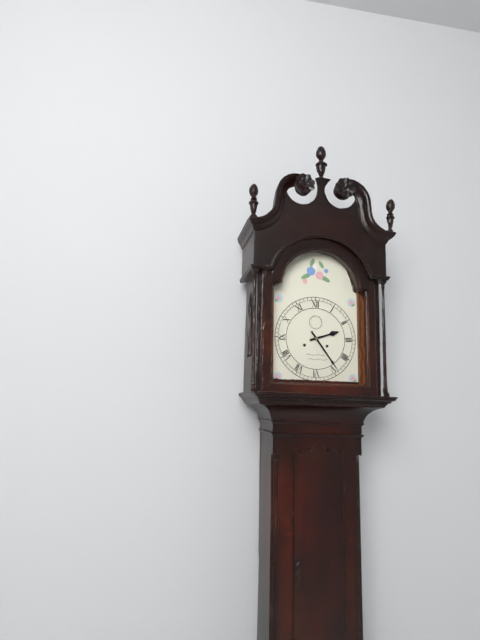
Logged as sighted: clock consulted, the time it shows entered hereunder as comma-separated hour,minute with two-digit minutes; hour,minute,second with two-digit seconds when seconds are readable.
2,24
